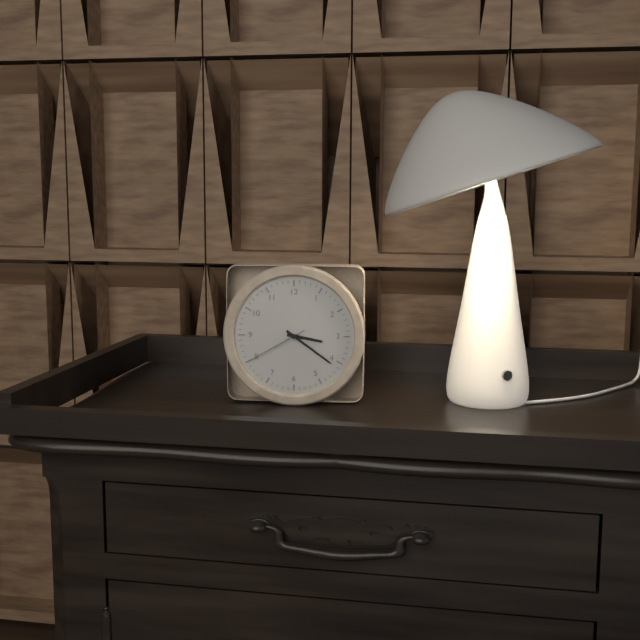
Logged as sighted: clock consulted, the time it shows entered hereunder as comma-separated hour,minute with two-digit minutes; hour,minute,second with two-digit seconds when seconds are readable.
3,21,40
